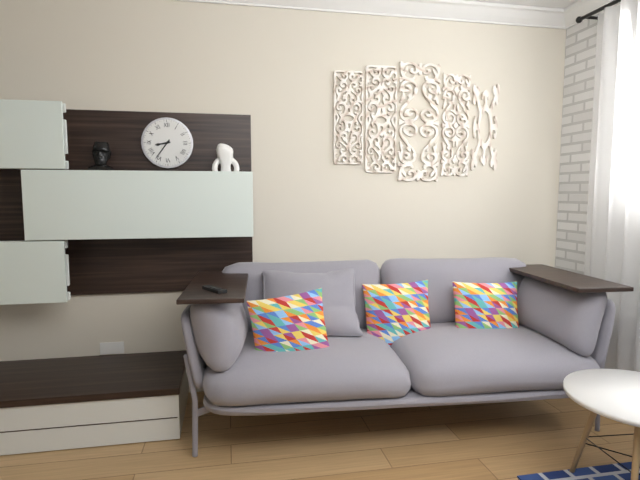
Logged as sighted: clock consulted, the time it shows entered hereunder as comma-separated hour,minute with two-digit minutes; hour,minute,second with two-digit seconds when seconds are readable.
8,36
